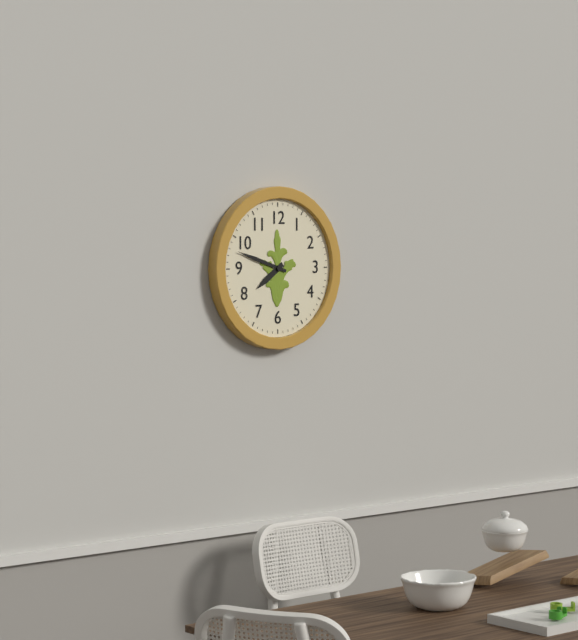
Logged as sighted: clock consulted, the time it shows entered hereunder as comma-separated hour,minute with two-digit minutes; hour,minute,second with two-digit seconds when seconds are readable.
7,48
